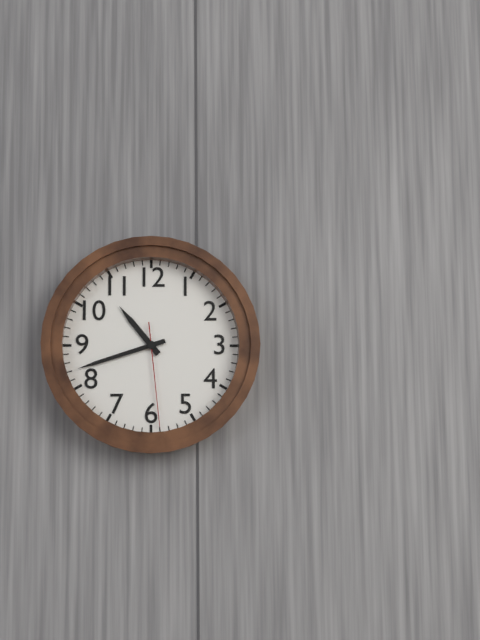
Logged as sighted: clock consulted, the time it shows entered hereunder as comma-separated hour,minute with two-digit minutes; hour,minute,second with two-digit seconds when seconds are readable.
10,42,29
